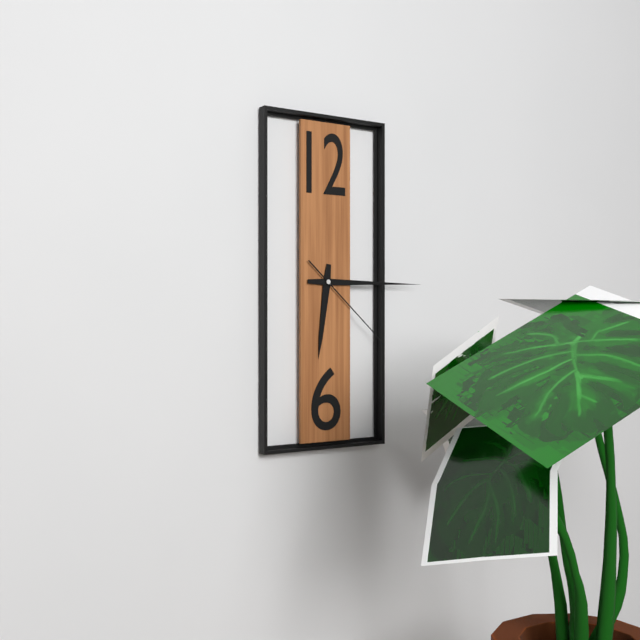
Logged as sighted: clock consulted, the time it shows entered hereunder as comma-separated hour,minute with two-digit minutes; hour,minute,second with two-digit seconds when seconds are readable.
6,15,22
